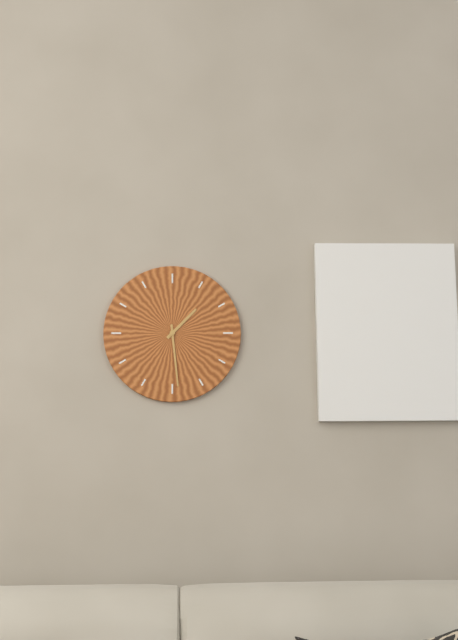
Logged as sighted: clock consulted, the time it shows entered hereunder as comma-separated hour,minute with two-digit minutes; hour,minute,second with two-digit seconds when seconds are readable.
1,29
